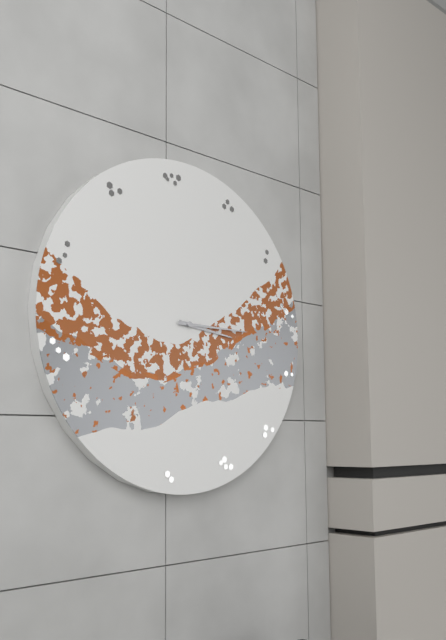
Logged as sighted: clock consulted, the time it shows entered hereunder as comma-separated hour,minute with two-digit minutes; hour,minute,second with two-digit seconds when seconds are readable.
3,15
